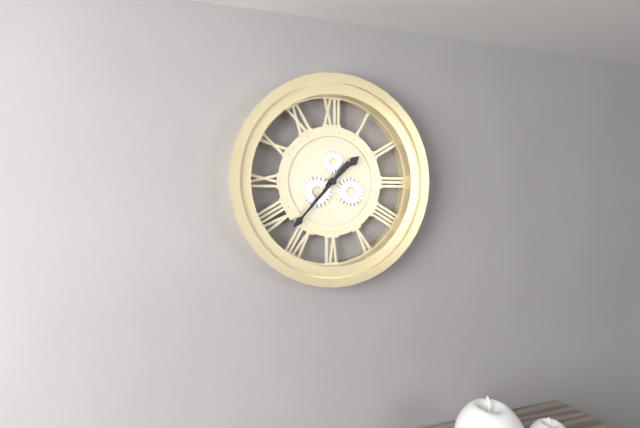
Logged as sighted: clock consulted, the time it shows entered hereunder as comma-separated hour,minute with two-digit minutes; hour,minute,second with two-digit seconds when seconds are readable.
1,37
